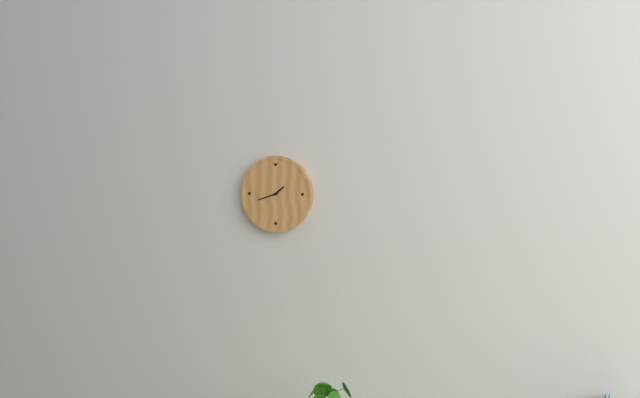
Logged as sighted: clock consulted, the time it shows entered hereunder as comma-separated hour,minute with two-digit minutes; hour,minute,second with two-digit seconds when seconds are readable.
1,42
